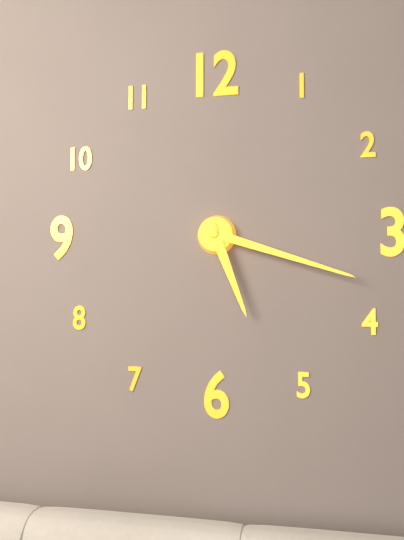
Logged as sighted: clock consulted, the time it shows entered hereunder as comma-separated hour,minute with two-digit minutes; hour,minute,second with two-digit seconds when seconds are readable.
5,18
